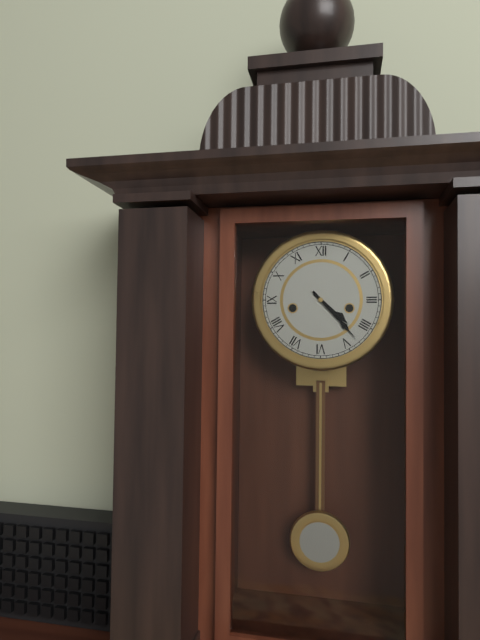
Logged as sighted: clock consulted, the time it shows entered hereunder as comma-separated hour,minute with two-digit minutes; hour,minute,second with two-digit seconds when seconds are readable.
4,23
